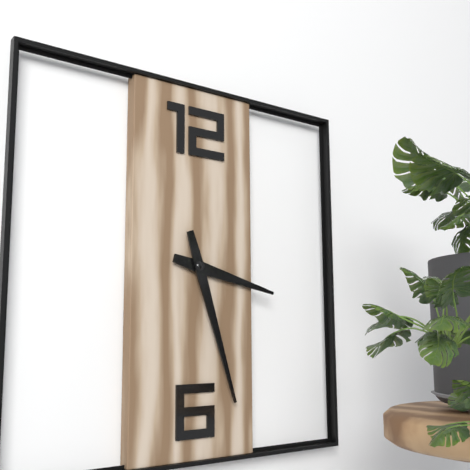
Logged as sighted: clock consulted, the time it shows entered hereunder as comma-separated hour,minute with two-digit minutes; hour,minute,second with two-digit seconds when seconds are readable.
3,27
